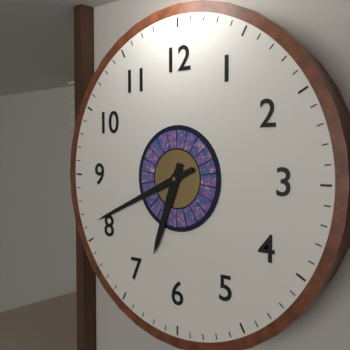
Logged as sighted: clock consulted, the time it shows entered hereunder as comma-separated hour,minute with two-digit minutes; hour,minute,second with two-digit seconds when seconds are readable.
6,41
